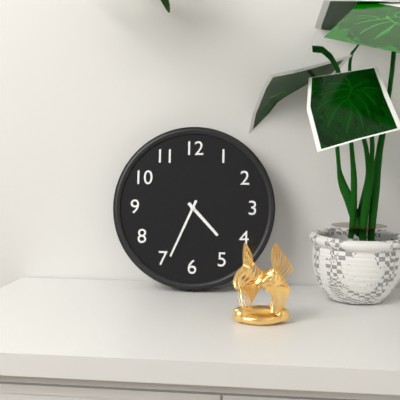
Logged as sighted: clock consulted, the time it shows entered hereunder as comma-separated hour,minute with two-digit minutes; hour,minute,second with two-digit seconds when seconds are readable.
4,34
